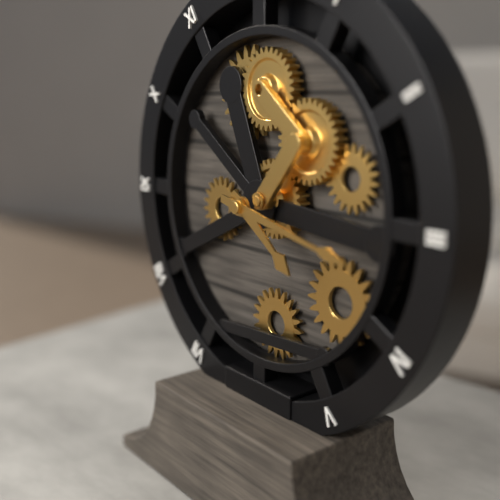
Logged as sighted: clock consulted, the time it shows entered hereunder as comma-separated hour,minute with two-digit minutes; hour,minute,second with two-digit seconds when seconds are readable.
4,17
